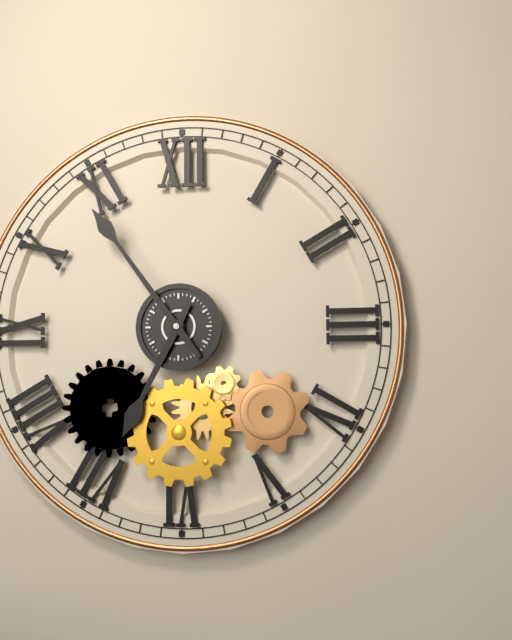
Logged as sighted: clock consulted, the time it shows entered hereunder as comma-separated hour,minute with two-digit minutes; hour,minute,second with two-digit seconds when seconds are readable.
6,54
